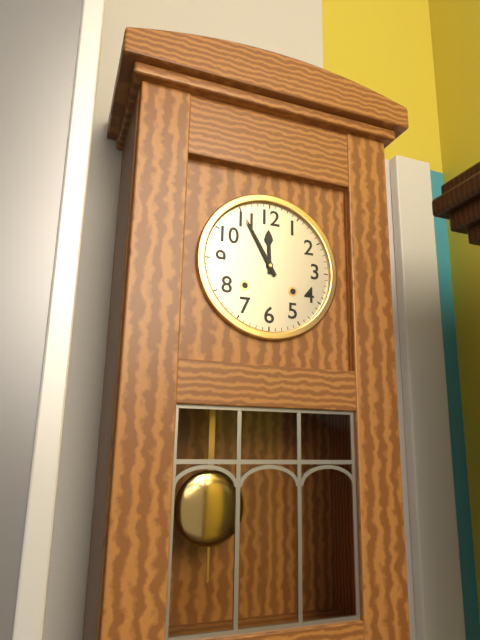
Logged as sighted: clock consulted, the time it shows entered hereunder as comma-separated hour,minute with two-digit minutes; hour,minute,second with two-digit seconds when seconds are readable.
11,55
